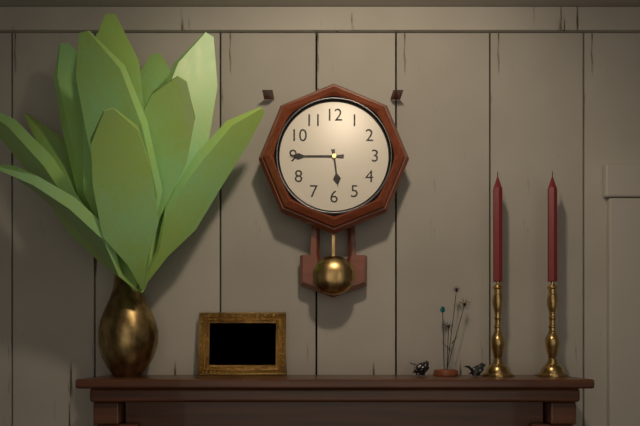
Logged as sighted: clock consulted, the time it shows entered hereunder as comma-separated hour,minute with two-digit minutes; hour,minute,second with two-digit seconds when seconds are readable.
5,45
